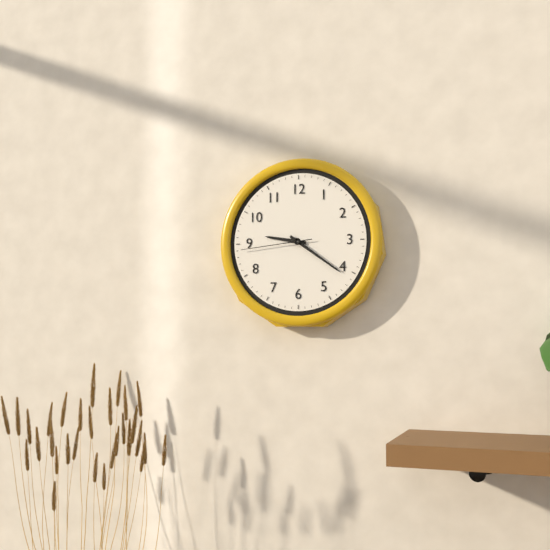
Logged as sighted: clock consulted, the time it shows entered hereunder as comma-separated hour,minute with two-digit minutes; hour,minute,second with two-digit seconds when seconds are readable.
9,21,44
